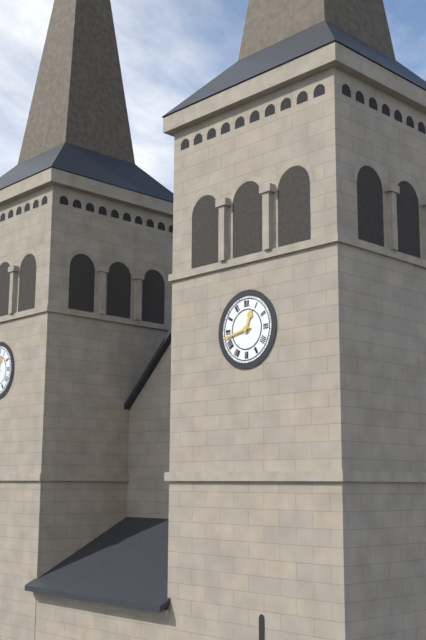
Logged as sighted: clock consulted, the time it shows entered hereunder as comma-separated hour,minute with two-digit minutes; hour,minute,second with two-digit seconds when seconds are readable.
12,43
